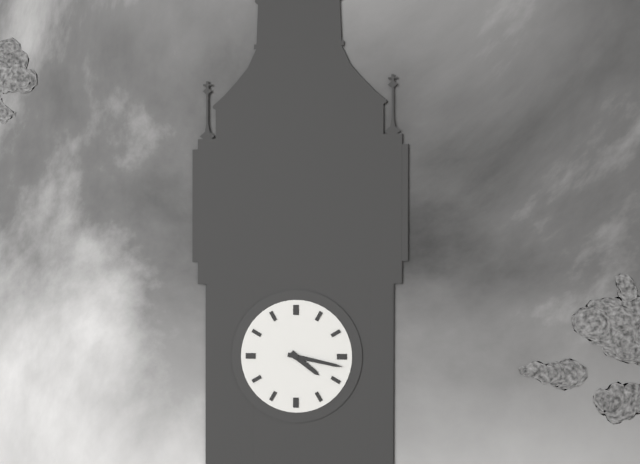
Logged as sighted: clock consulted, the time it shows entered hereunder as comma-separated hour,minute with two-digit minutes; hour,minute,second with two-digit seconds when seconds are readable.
4,17
